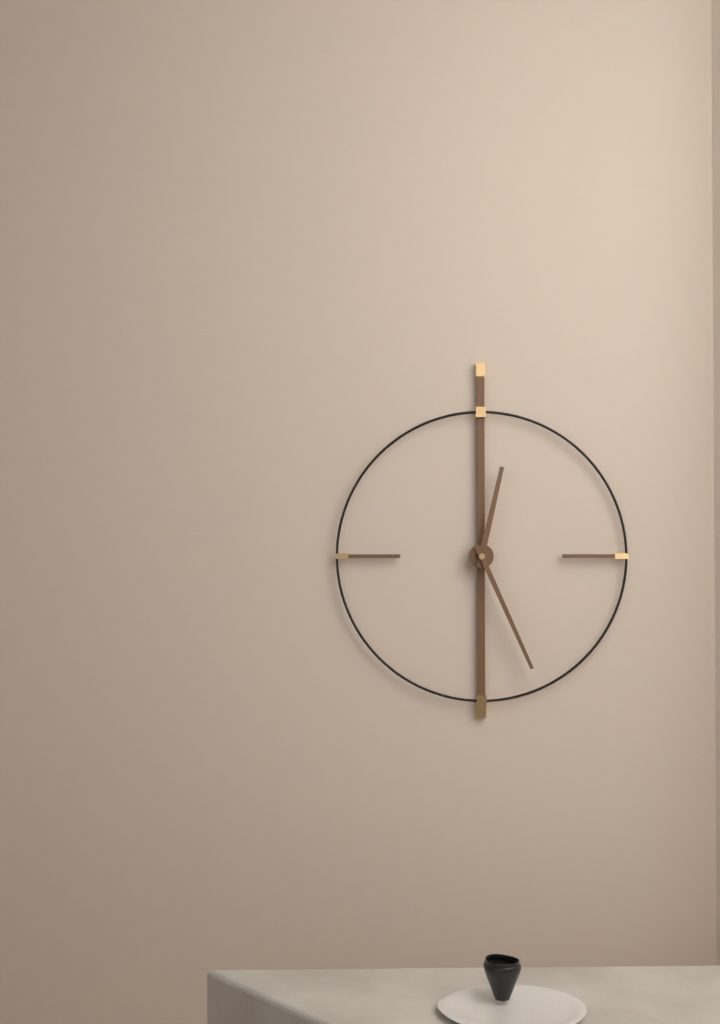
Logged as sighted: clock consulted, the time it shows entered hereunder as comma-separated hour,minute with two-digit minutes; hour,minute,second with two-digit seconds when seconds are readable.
12,26
